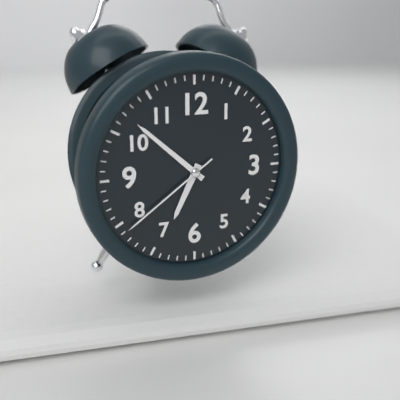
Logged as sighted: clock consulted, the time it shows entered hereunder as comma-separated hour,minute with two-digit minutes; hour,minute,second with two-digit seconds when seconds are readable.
6,52,39
